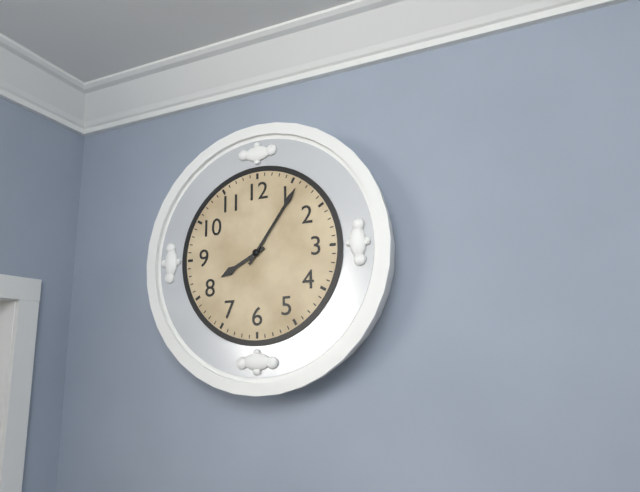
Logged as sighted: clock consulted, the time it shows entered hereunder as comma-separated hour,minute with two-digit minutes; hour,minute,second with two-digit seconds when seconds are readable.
8,06
